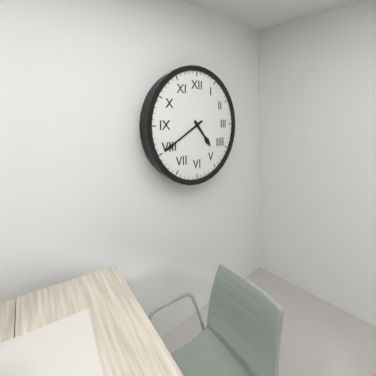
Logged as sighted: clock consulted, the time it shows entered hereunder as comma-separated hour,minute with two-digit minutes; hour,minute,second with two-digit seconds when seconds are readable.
4,40
